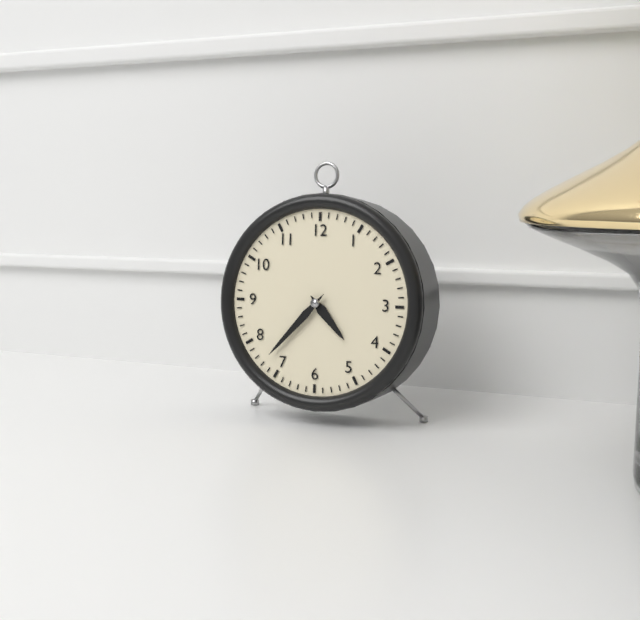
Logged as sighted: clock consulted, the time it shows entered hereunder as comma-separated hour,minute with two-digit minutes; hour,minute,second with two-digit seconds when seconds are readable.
4,37
